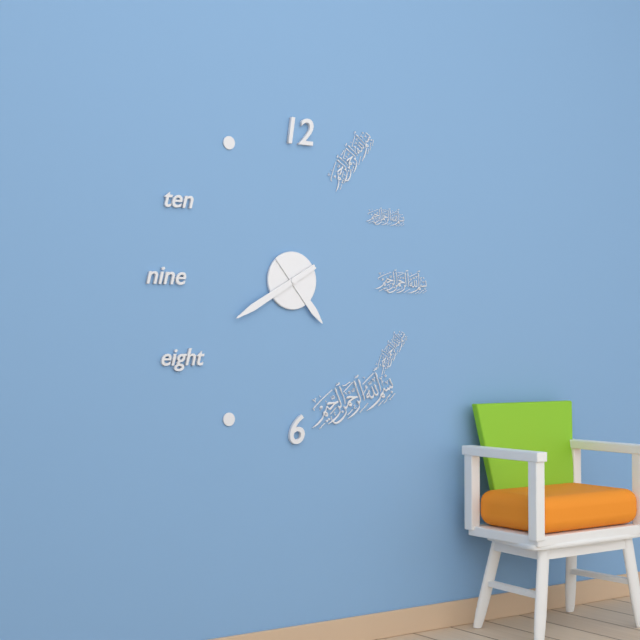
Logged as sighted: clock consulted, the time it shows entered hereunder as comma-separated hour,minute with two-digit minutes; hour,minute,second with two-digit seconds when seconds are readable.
4,40
